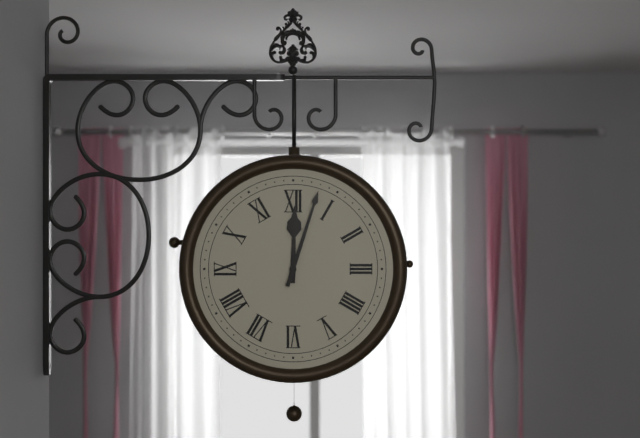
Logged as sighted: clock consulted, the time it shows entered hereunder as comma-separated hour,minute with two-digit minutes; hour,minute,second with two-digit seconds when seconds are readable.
12,03
